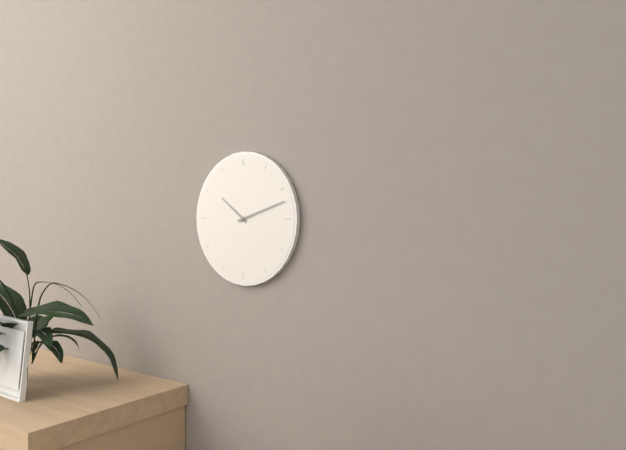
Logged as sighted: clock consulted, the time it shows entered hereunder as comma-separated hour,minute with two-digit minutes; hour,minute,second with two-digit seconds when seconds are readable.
10,12
